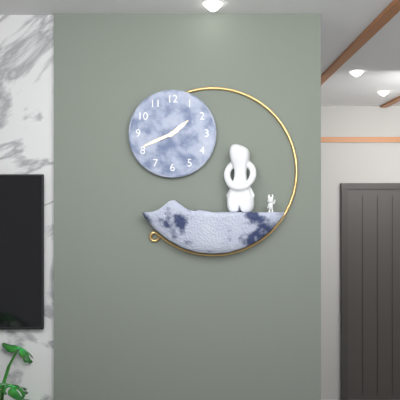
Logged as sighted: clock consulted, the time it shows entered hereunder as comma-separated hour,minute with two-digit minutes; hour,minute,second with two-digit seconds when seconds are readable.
1,41
